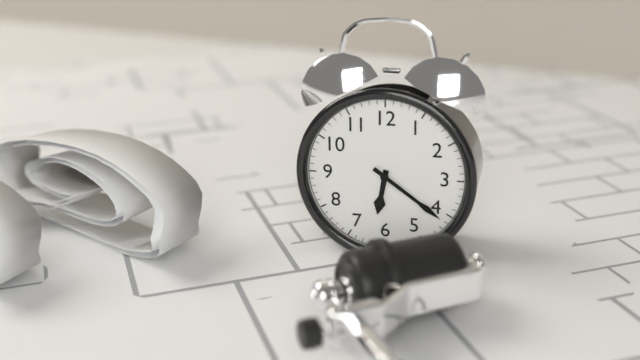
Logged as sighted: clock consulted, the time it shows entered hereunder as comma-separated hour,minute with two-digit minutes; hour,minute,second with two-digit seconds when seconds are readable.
6,21
